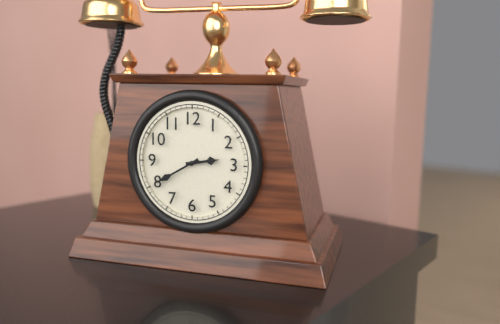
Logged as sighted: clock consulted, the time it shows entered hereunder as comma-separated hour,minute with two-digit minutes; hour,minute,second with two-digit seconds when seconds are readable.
2,40
